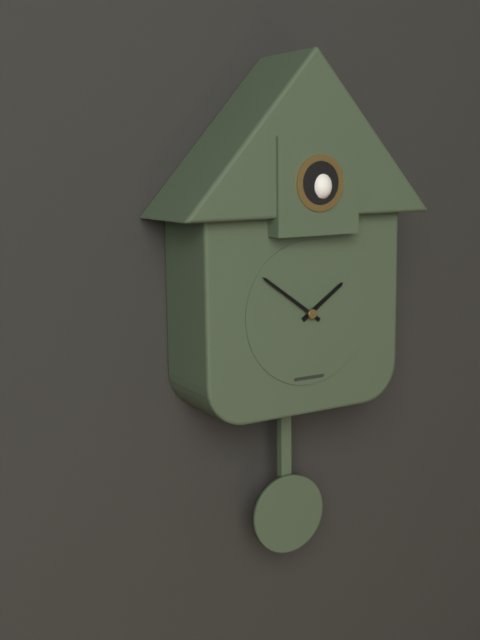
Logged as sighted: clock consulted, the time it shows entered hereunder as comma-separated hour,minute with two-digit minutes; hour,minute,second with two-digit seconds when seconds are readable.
1,51
